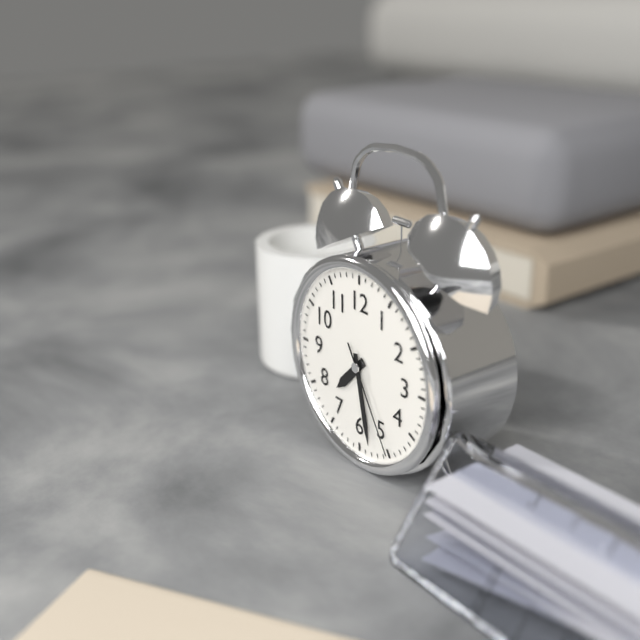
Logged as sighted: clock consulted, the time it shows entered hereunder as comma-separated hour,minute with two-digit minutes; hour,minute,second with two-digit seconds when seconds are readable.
7,28,25
